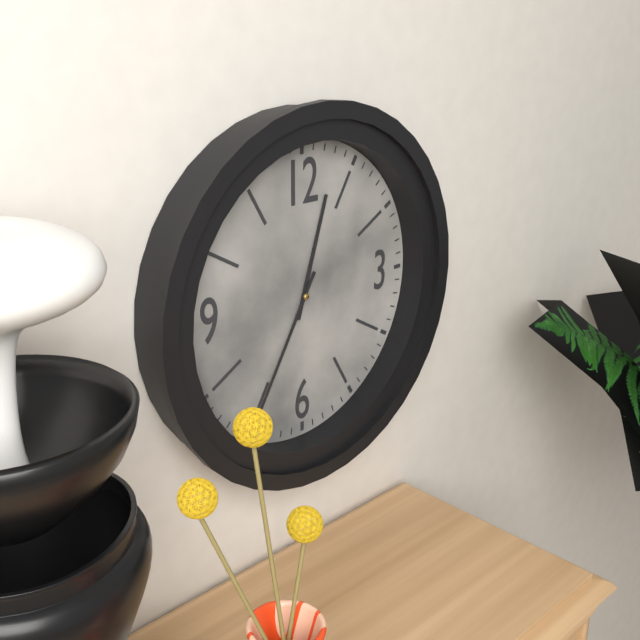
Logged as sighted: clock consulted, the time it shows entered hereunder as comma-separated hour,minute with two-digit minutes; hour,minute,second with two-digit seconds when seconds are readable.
12,35
